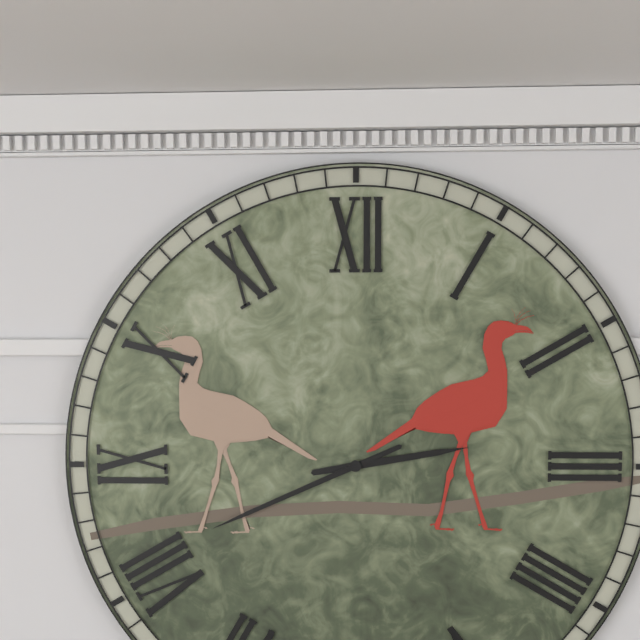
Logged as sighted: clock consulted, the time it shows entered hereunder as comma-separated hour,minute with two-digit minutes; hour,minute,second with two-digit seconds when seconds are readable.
2,41
